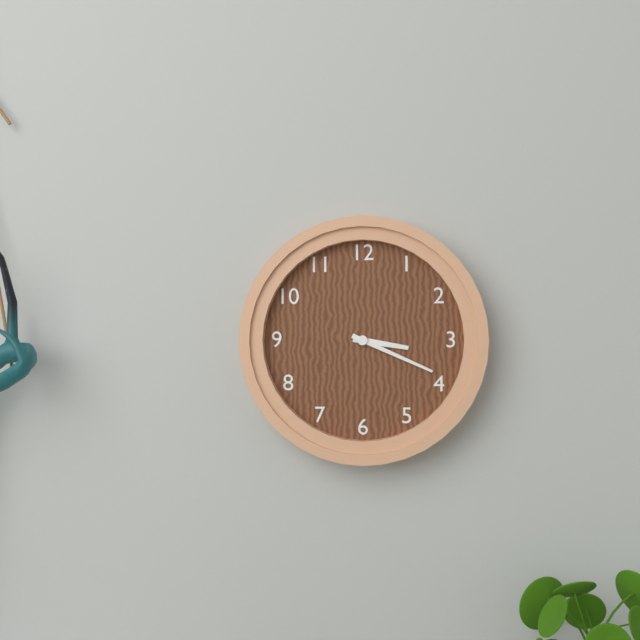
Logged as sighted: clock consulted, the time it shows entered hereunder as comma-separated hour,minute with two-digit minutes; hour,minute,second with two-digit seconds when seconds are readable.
3,19
